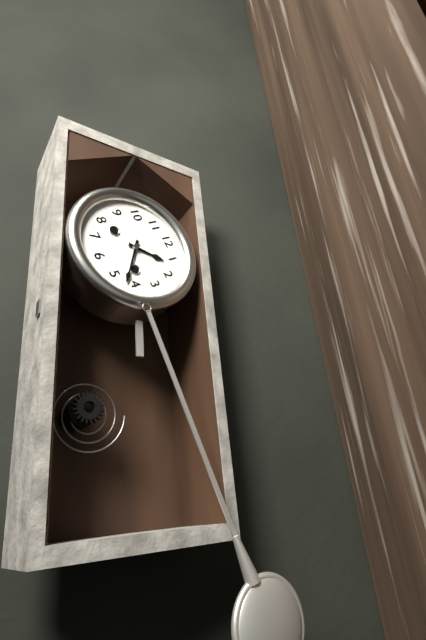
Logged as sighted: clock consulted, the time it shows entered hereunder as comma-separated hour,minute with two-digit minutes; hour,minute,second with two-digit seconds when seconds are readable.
1,22
